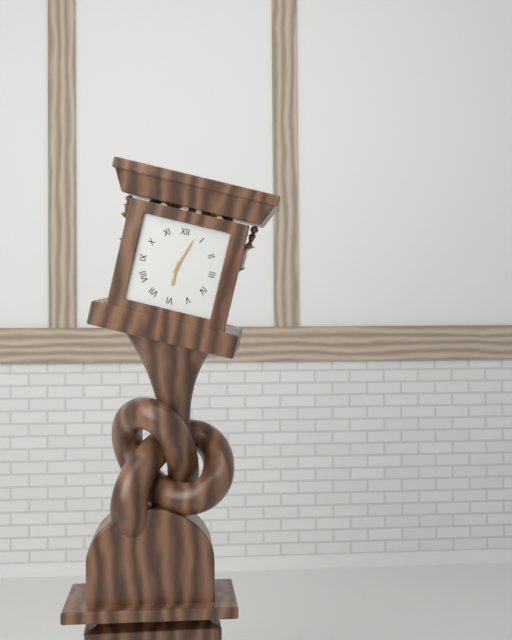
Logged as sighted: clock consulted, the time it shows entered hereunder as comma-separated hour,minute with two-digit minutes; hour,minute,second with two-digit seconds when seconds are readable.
6,03
